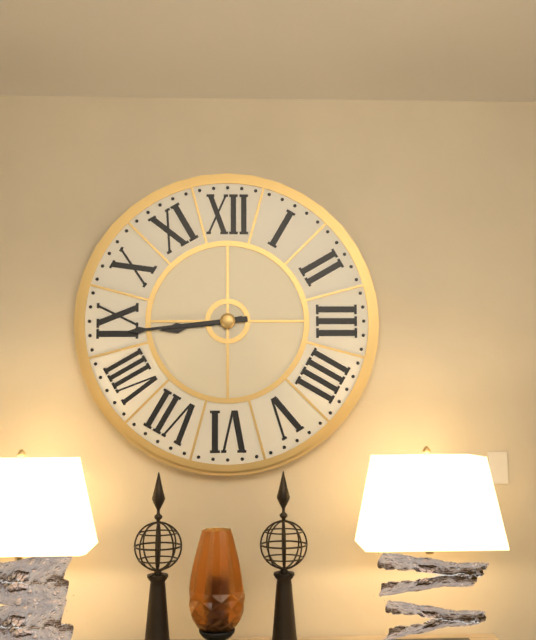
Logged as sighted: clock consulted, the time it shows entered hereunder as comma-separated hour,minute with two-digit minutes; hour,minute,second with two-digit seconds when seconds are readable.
8,44
